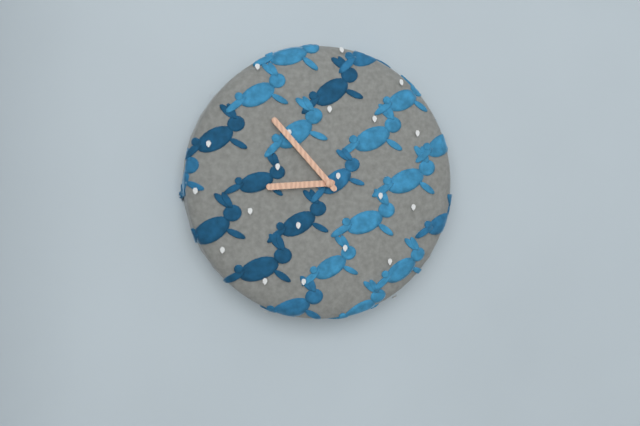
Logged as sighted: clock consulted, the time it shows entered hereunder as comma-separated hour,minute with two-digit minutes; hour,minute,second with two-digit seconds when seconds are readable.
8,53
